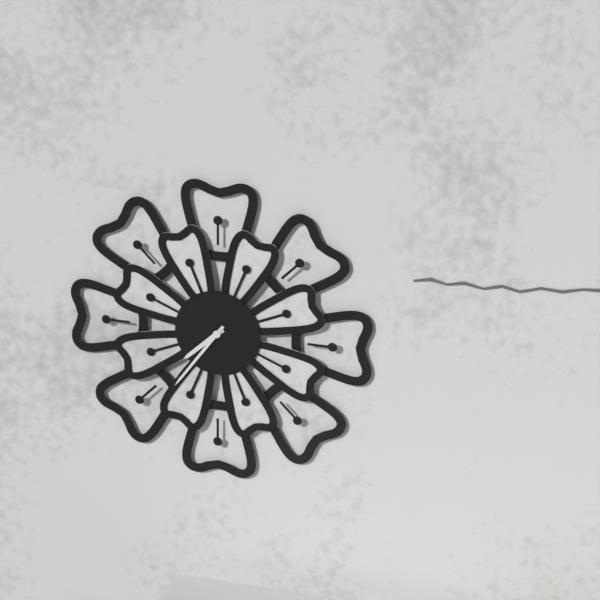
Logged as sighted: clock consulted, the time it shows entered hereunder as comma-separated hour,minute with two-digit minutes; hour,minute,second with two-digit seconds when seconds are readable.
7,36
